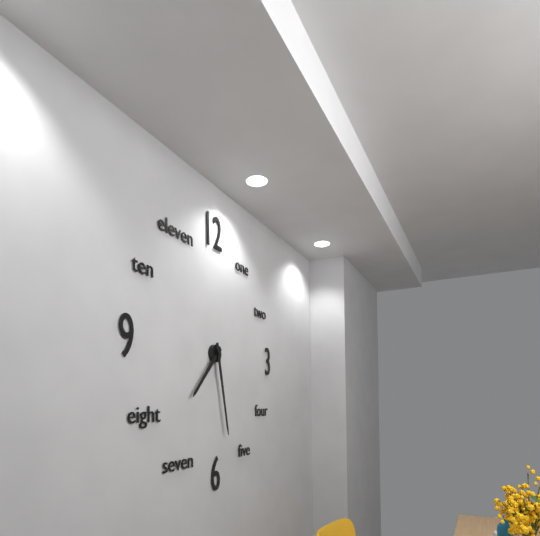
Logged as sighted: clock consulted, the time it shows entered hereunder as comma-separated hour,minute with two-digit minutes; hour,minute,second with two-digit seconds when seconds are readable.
7,28
